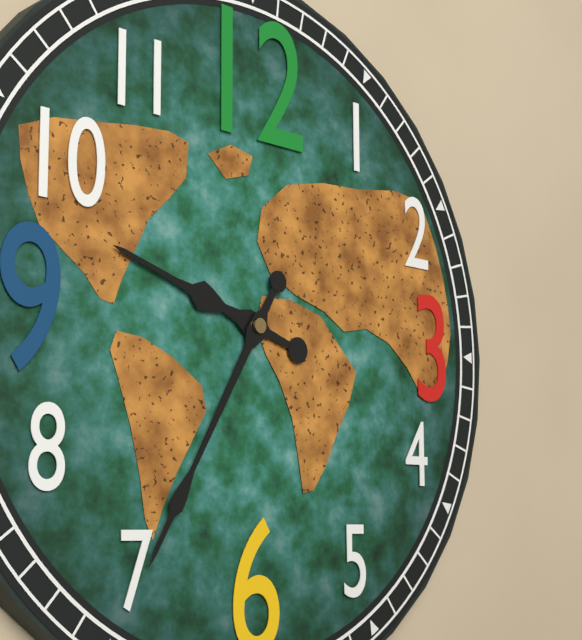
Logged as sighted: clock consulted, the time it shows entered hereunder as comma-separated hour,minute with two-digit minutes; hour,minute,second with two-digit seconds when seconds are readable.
9,35
